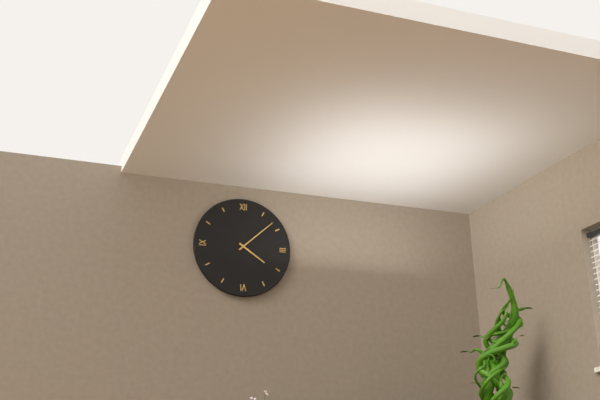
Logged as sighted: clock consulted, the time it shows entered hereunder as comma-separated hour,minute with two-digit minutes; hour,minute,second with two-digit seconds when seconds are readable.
4,08
